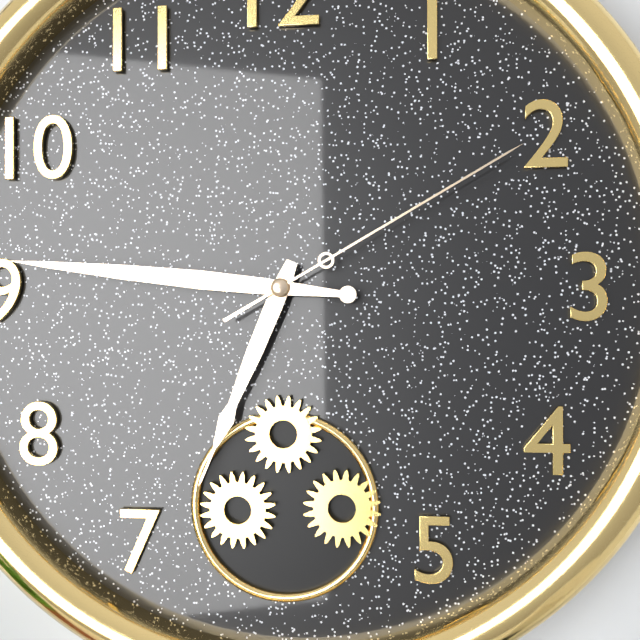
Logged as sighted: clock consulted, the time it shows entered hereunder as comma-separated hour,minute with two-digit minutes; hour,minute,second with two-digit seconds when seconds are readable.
6,46,10
